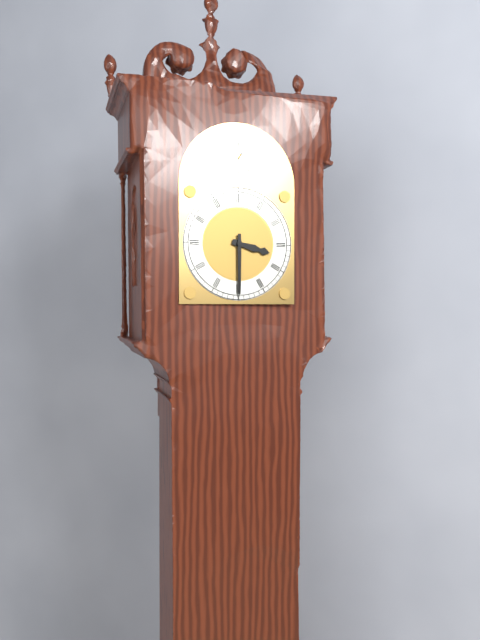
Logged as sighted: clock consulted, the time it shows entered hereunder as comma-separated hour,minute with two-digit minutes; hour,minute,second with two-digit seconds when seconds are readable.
3,30
